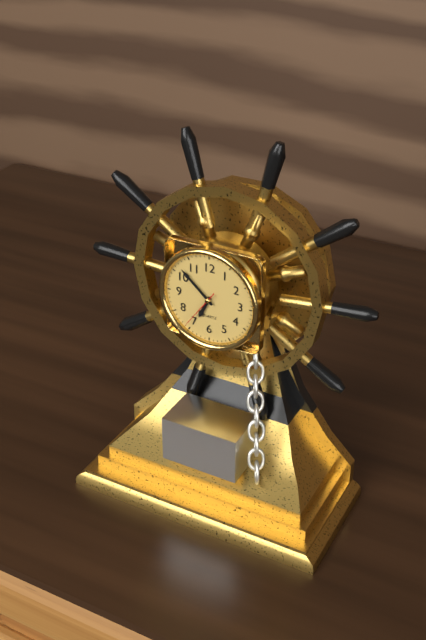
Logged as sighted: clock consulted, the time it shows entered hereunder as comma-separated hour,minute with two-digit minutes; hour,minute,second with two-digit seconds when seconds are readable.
6,52
